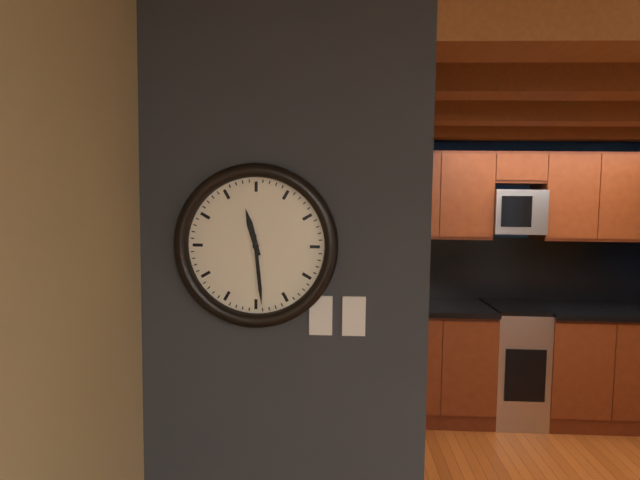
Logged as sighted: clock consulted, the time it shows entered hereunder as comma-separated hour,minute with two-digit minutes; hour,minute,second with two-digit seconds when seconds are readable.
11,29
